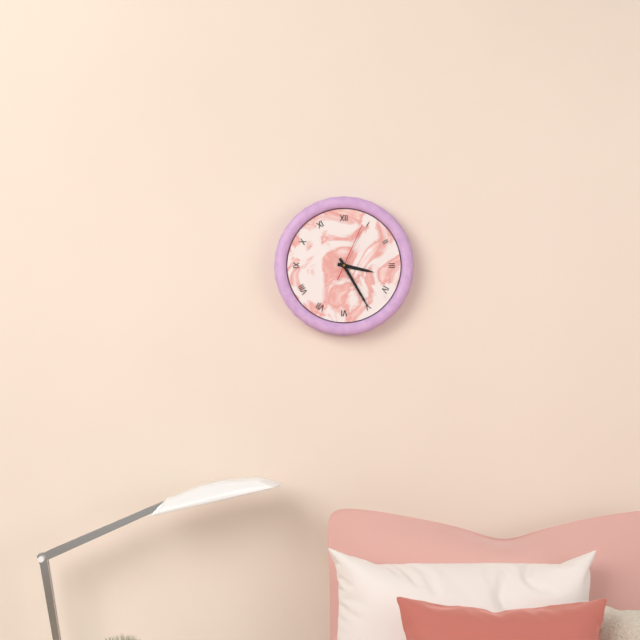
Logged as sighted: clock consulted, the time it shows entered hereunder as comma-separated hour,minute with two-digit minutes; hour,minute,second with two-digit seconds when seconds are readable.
3,25,04
